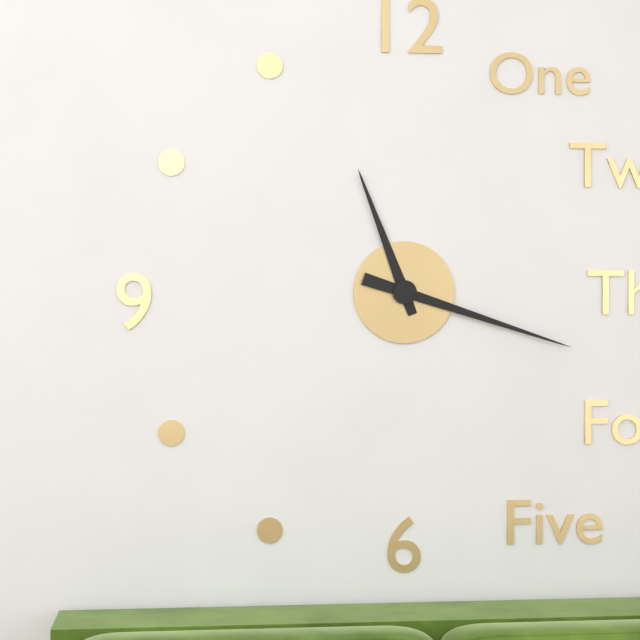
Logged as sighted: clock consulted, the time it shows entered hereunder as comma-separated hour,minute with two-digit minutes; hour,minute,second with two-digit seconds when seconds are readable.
11,18
